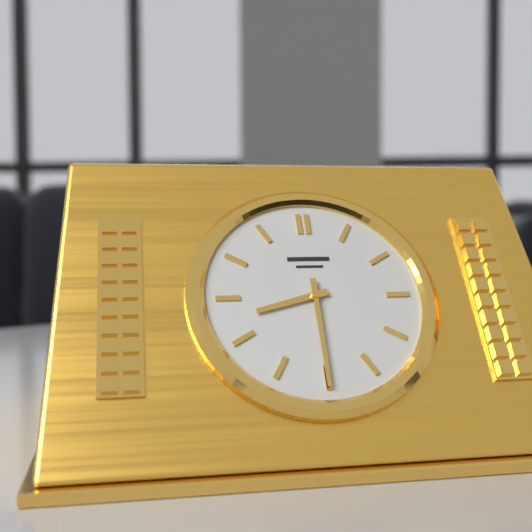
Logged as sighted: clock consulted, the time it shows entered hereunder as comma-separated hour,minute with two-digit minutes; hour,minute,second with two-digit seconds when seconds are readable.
8,30
